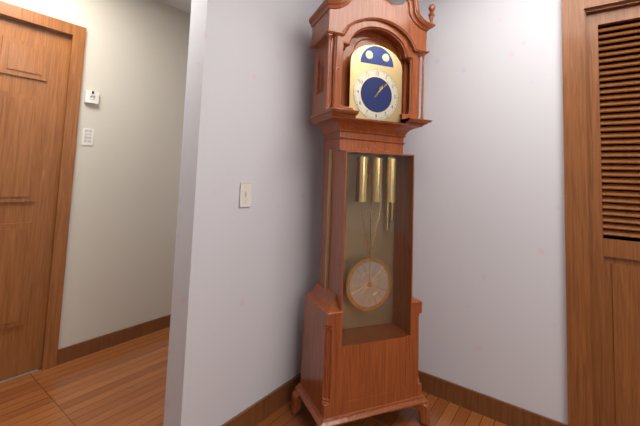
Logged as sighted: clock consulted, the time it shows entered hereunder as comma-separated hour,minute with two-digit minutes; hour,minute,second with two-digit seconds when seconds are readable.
1,07
